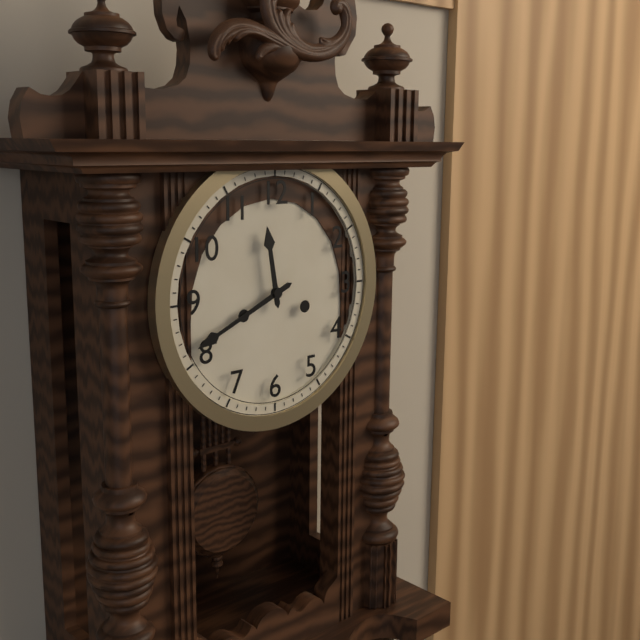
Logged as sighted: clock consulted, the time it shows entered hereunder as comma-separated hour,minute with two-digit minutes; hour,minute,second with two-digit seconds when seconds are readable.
11,41
